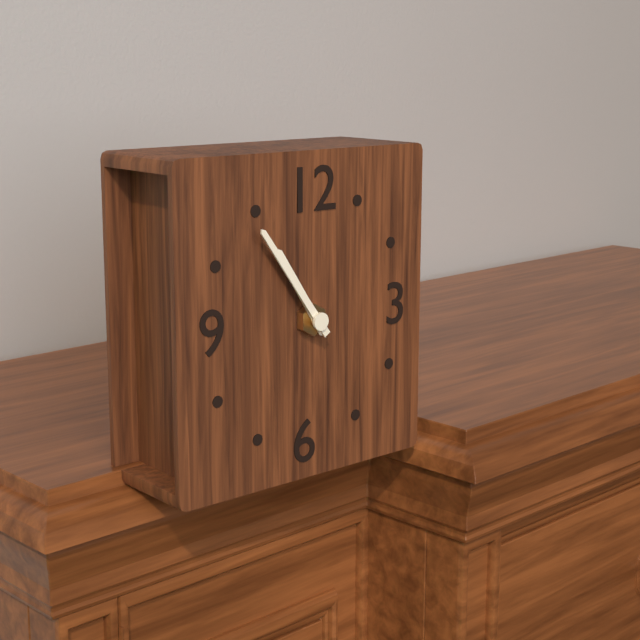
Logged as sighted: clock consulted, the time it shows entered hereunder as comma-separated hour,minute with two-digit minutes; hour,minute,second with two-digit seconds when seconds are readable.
10,54
